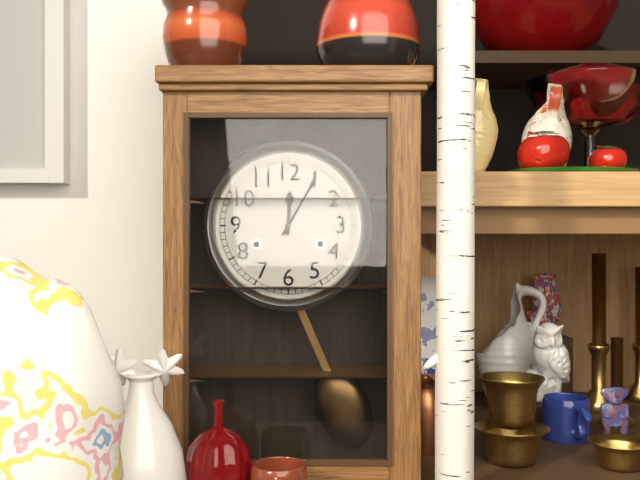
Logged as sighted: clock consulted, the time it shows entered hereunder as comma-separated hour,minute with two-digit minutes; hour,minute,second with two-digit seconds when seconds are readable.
12,05
